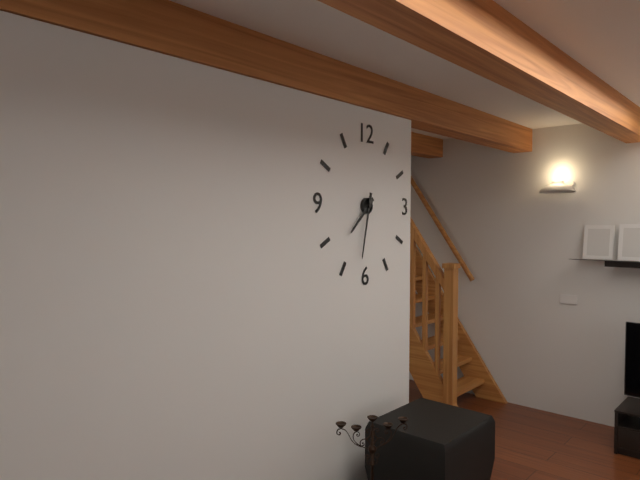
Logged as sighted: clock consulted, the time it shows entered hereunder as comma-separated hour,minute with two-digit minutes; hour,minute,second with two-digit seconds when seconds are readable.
7,32
